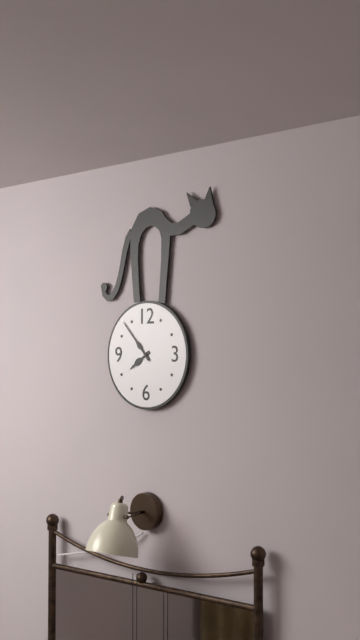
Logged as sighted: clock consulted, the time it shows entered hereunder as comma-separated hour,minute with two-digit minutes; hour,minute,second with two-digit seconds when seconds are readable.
7,53
